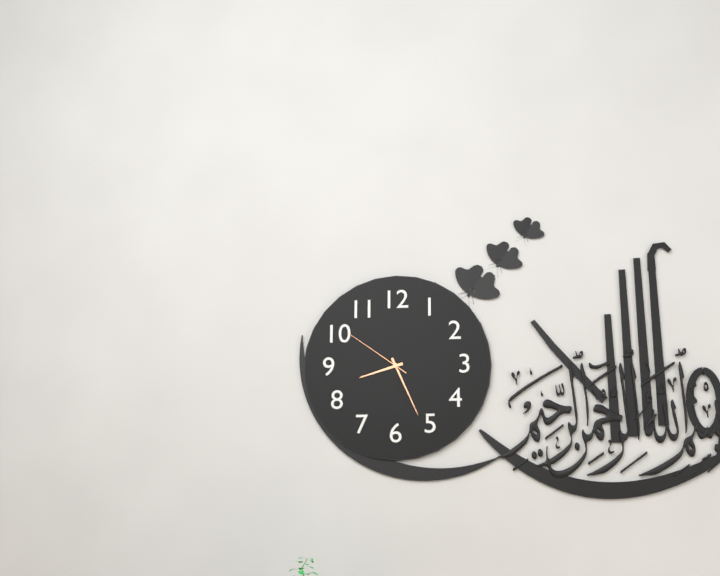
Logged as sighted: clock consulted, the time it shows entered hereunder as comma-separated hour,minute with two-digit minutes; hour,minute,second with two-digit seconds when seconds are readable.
8,26,51
